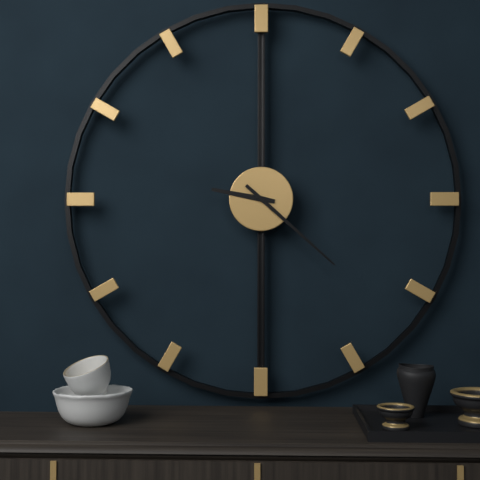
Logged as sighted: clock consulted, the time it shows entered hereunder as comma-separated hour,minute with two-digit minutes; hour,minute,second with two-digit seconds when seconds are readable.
9,22
